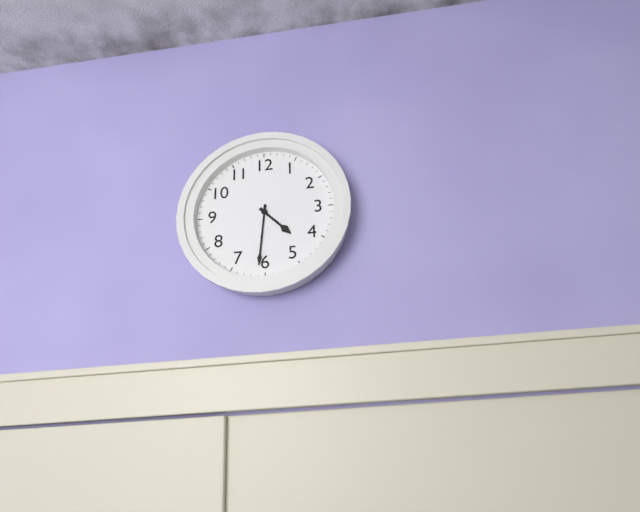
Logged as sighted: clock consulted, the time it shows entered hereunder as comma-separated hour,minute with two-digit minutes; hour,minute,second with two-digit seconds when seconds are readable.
4,31
